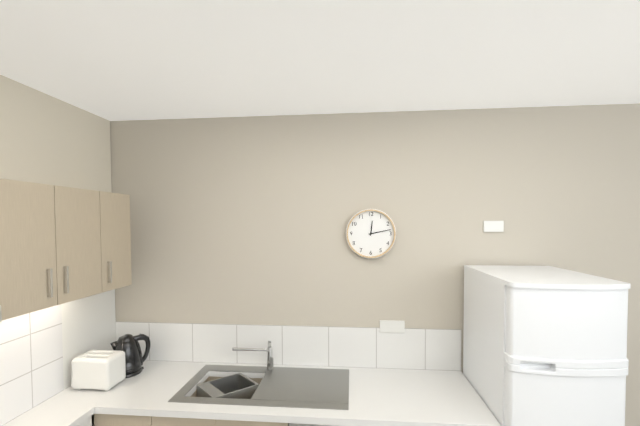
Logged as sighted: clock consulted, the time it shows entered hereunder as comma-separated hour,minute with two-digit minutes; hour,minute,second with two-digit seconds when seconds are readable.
12,13
